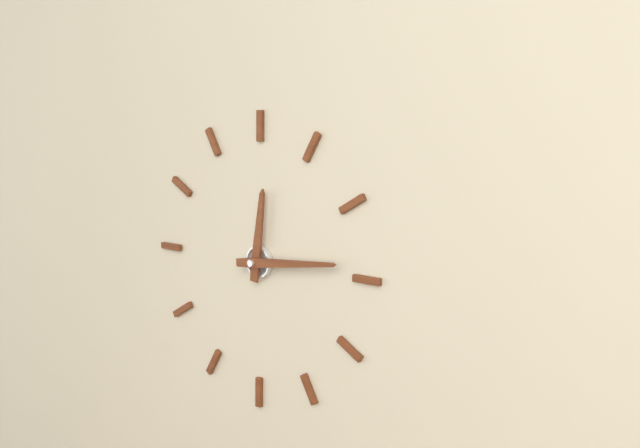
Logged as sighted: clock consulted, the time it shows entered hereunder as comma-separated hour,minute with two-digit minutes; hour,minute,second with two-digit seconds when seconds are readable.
12,14
